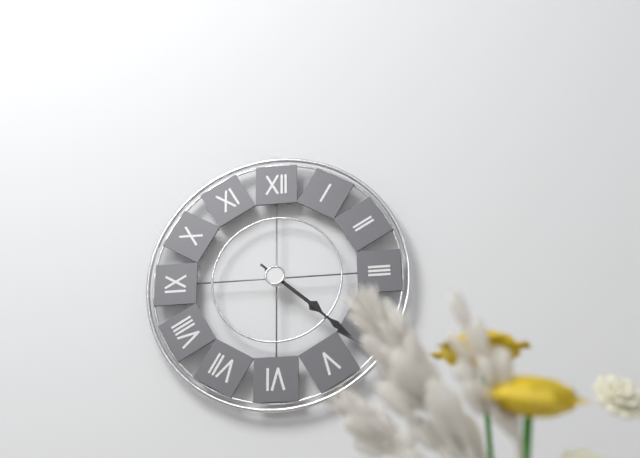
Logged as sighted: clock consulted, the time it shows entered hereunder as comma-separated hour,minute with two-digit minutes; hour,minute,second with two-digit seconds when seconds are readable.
4,22
